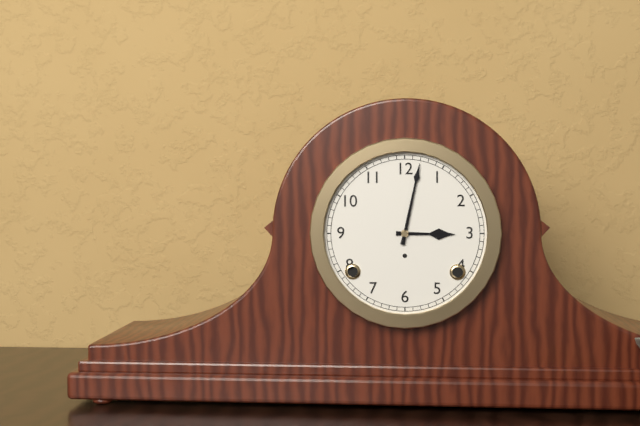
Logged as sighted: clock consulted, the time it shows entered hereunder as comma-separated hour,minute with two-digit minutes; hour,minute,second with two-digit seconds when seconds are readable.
3,02
